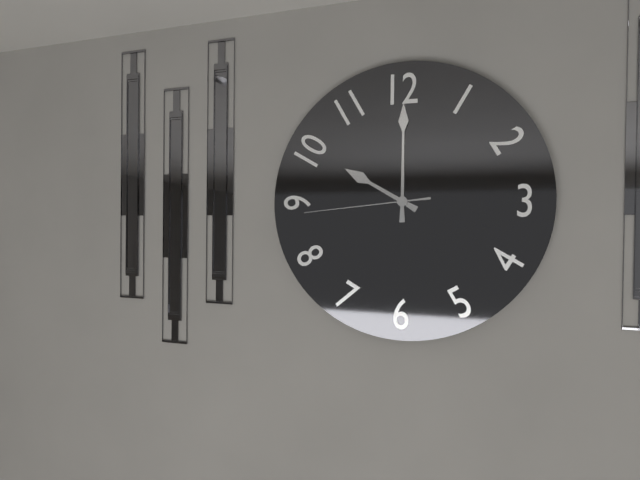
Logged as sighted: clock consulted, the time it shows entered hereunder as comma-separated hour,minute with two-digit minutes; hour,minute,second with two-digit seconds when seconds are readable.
10,00,44
